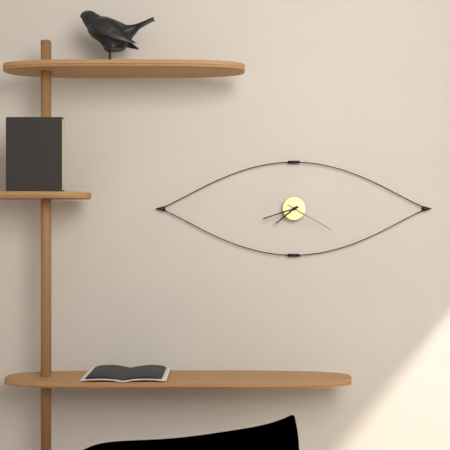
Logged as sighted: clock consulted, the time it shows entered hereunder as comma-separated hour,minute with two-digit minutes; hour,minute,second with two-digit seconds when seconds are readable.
7,42,20
